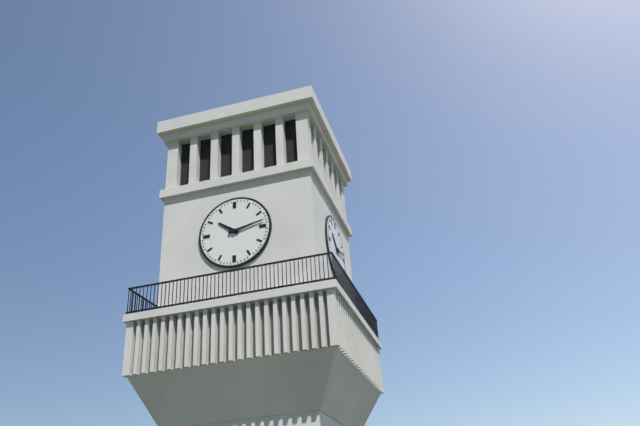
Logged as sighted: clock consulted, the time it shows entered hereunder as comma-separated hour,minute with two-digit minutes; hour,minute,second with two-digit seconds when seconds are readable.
10,13
